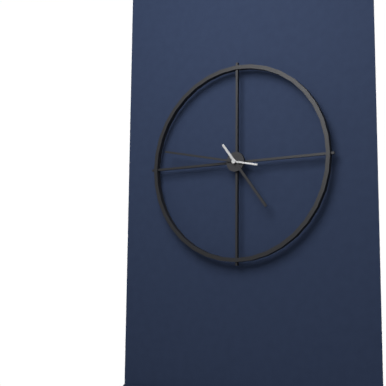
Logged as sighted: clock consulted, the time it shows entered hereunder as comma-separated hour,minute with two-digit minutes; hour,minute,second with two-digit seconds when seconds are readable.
4,47
